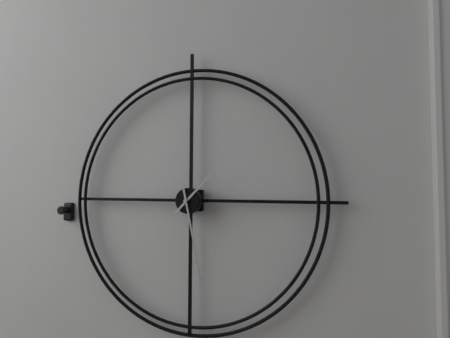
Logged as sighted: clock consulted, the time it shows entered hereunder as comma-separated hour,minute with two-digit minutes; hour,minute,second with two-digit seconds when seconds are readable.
1,28
